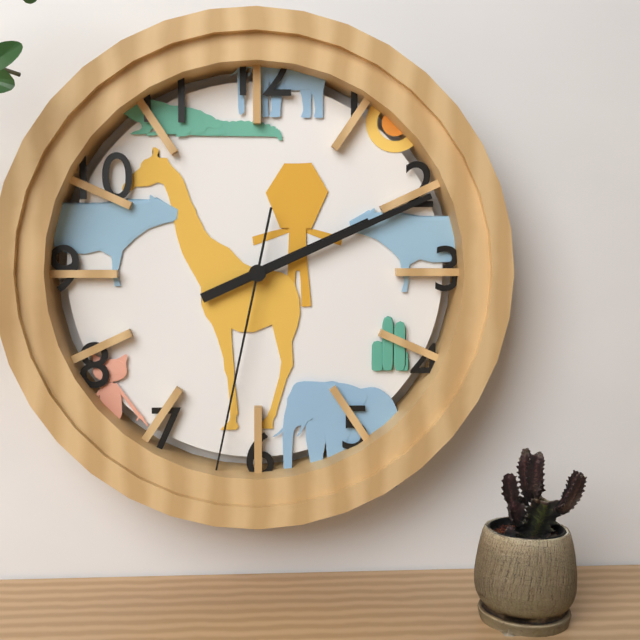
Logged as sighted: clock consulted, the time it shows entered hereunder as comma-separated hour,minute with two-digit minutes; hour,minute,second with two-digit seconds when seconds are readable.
2,11,32
